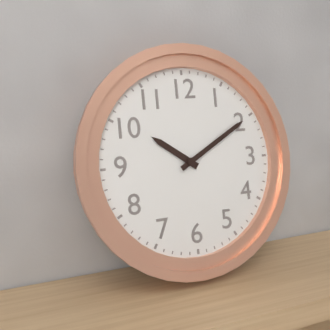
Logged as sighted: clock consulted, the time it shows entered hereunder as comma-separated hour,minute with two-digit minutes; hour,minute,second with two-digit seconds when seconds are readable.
10,10
